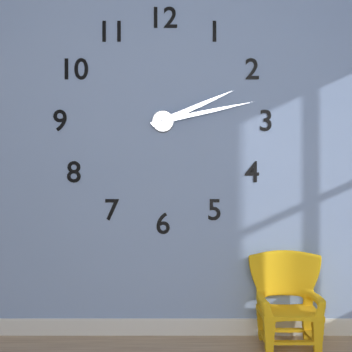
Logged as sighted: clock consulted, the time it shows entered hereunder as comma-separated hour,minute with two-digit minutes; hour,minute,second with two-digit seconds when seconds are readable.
2,13
